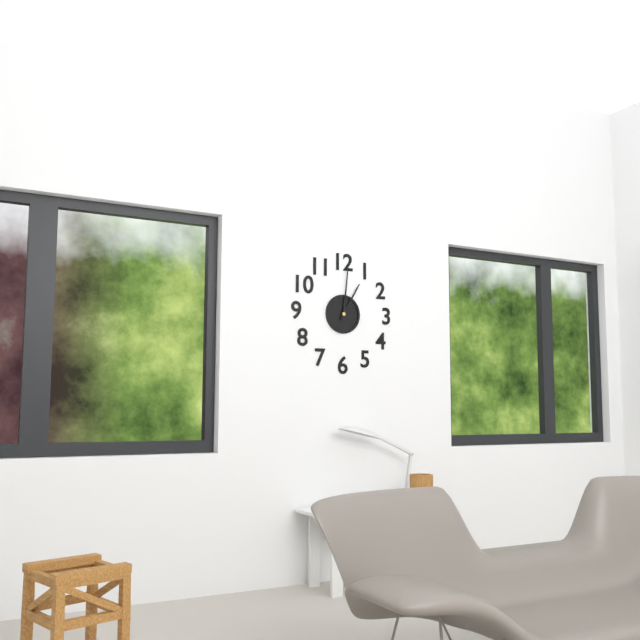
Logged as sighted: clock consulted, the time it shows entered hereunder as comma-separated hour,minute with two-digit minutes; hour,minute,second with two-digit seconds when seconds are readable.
1,01
